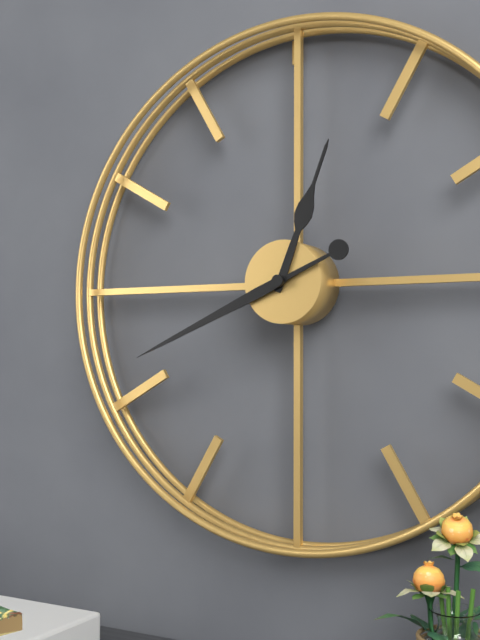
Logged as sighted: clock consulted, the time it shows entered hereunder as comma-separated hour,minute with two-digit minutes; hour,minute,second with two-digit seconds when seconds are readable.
12,41
